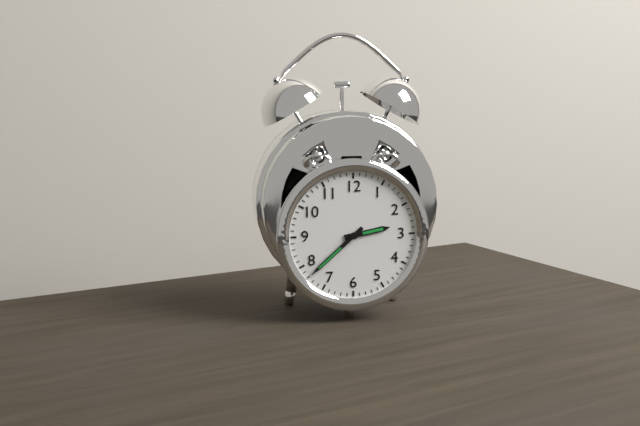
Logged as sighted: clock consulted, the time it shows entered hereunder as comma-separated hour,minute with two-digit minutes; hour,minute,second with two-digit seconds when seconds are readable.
2,38
